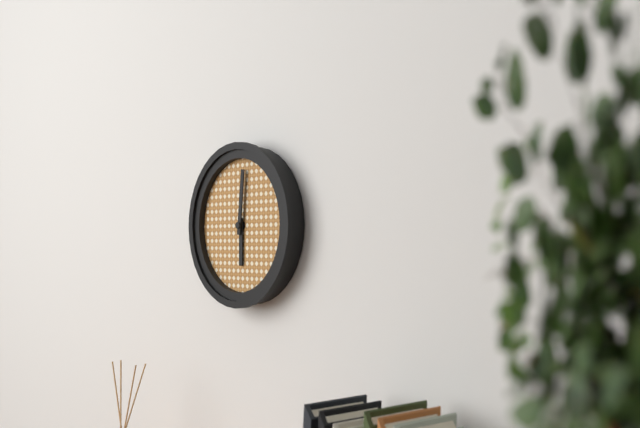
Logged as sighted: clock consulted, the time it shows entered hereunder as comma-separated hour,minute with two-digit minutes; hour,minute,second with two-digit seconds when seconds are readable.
6,01
